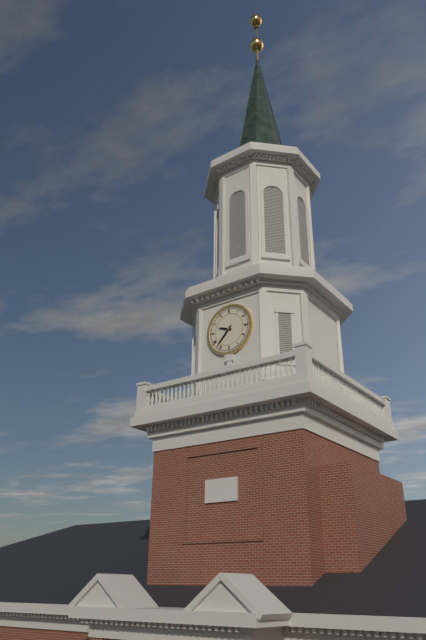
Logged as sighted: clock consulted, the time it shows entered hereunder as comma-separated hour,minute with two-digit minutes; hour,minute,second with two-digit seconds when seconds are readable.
9,37
